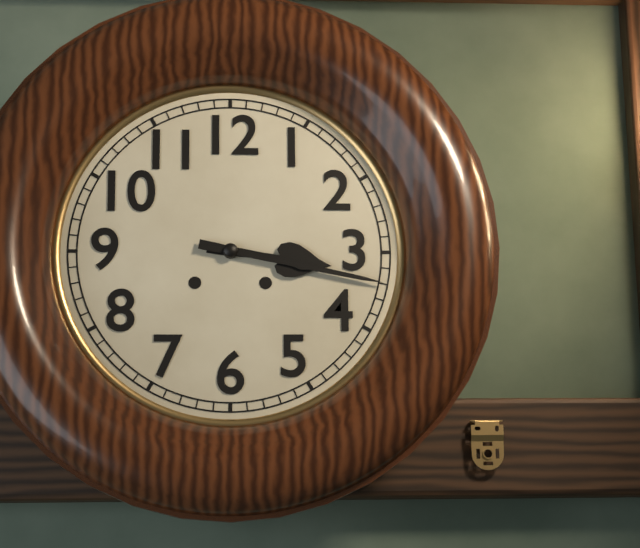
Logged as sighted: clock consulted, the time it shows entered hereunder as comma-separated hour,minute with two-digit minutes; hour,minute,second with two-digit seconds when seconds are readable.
3,17
